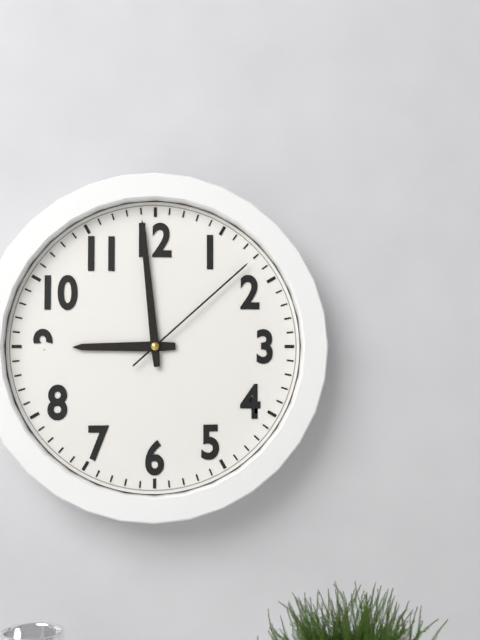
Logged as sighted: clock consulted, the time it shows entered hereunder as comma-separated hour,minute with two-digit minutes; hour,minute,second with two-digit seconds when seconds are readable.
8,59,08
